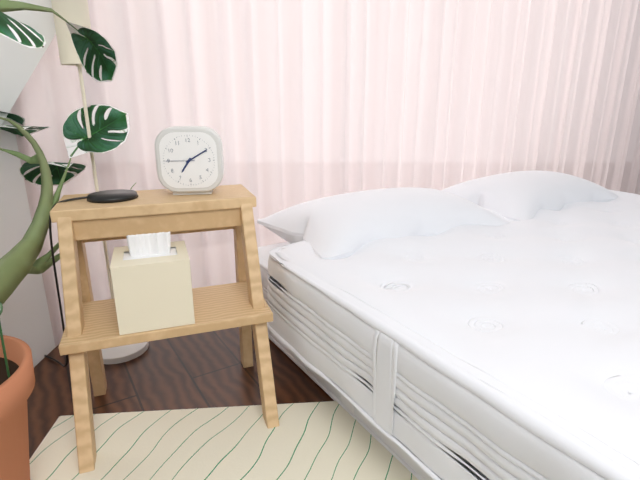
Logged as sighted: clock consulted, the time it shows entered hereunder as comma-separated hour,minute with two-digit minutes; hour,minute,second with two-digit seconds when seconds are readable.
7,10
